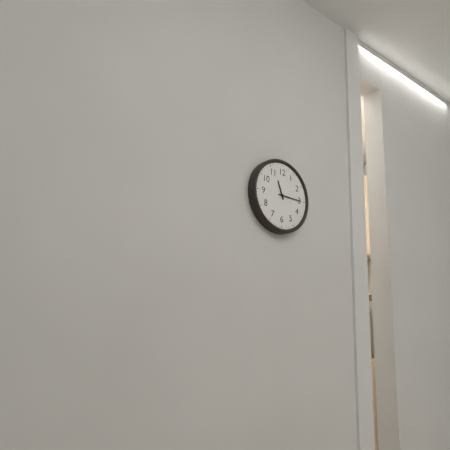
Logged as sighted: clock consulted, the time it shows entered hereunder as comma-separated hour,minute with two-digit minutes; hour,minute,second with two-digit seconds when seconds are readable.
11,15
